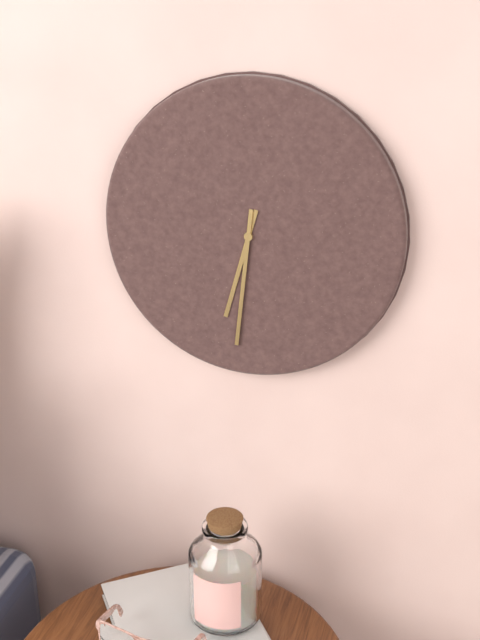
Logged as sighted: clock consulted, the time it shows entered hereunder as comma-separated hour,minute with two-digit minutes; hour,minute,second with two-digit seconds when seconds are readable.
6,31
